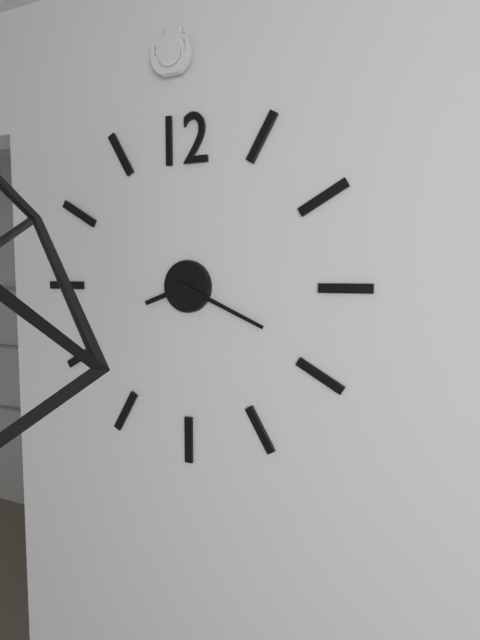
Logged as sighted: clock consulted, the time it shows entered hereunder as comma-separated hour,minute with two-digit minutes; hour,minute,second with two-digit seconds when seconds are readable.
8,19
